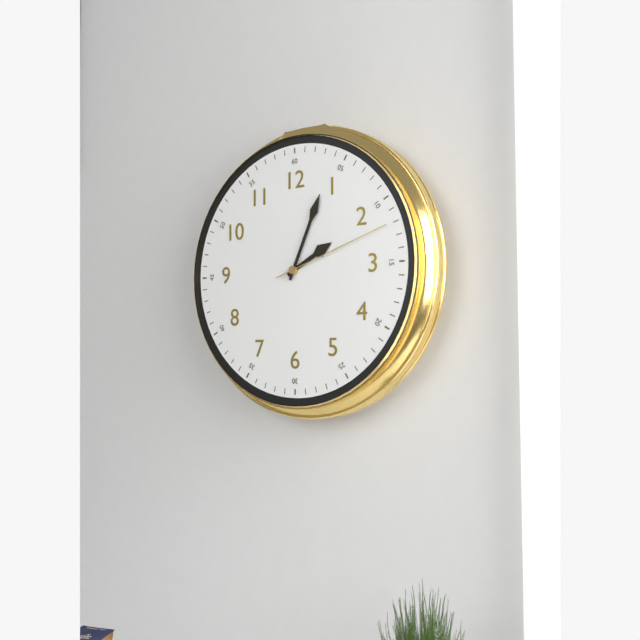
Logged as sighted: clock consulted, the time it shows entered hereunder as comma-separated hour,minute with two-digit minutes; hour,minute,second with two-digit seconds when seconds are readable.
2,04,12
